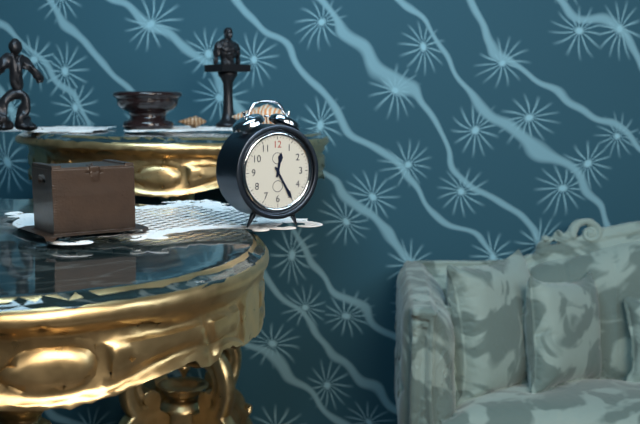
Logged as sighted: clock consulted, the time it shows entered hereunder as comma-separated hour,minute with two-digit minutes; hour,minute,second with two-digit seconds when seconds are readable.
12,25
